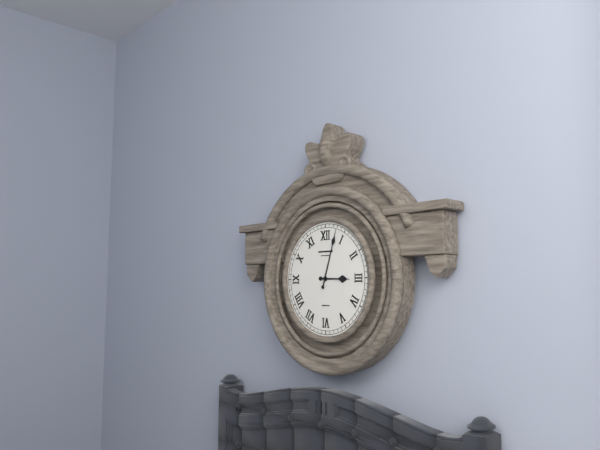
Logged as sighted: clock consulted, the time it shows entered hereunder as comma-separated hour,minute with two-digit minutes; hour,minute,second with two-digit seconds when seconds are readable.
3,03
